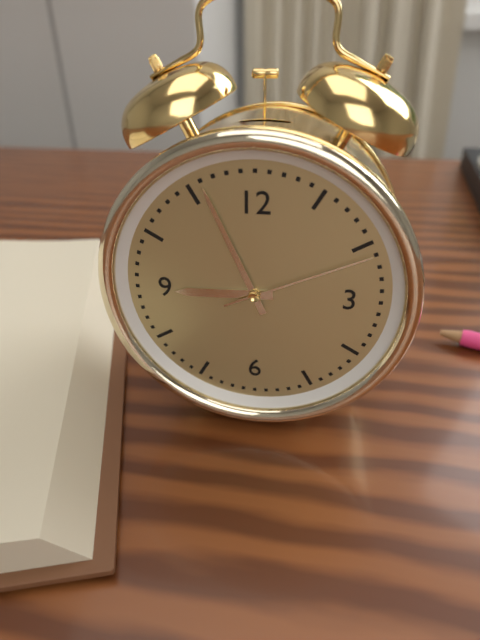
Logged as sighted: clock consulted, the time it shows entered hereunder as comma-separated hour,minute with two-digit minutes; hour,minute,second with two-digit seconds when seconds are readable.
8,56,11
